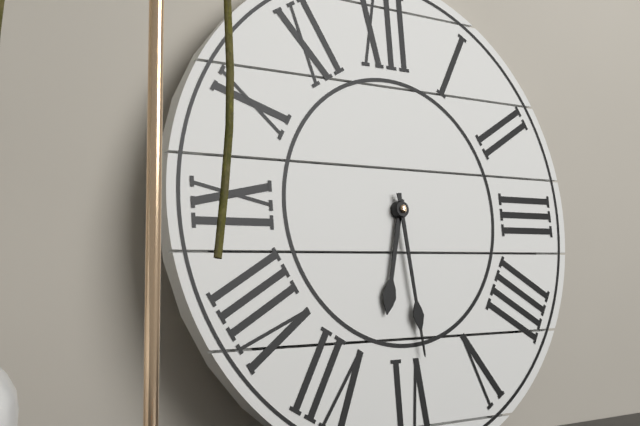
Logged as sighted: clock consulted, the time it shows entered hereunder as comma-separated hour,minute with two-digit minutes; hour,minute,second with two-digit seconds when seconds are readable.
6,29
